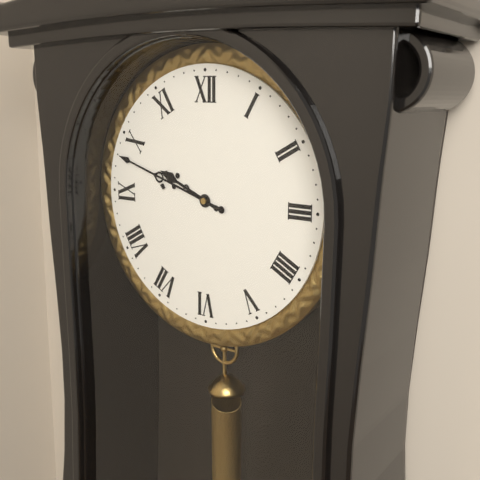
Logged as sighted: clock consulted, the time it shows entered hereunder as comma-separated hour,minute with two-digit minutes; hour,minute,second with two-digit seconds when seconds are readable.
9,48
